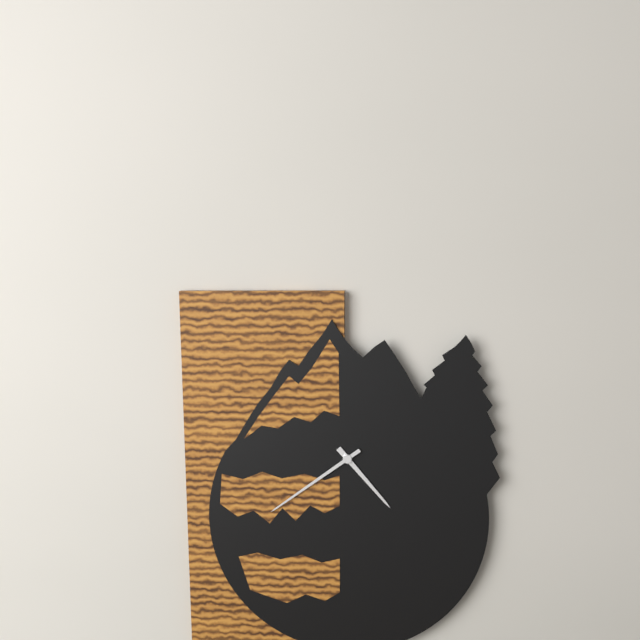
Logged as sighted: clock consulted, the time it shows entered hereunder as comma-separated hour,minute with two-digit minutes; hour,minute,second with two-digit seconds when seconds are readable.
4,39
